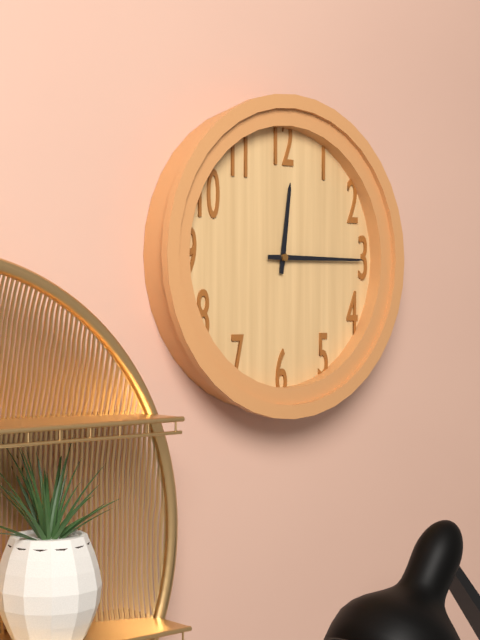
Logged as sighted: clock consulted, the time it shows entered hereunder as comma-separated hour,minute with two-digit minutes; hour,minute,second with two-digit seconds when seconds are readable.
12,15
